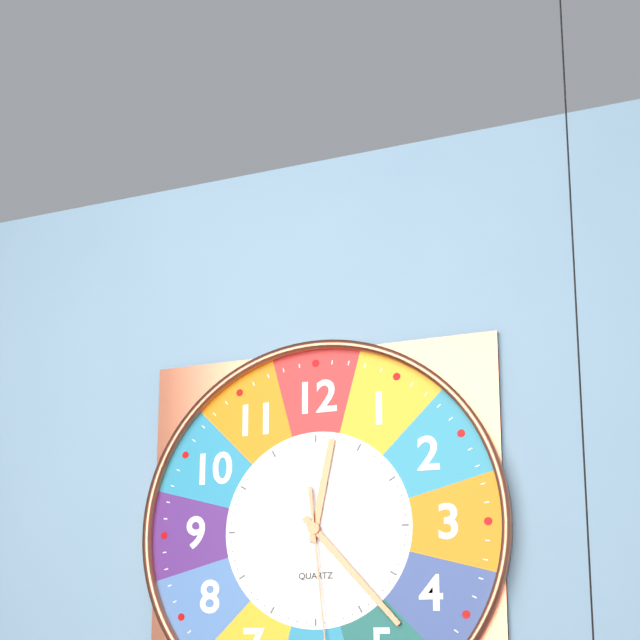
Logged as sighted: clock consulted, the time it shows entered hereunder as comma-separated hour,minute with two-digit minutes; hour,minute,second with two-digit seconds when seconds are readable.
12,23
